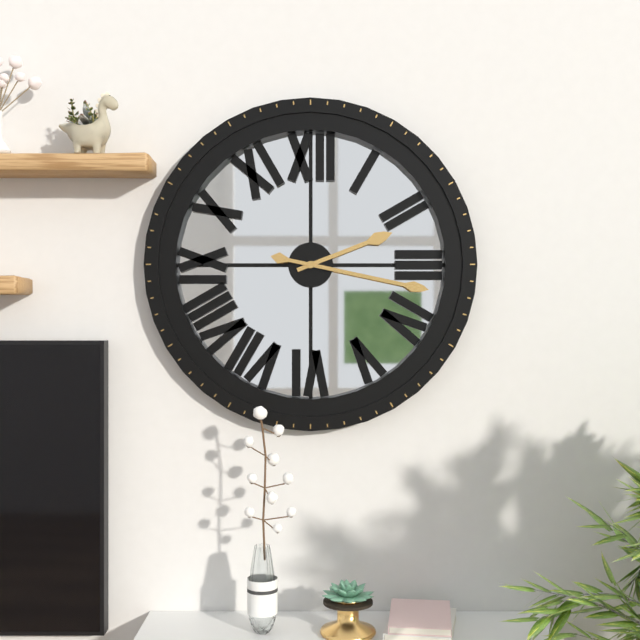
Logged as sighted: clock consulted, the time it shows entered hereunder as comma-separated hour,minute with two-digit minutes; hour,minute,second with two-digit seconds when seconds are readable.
2,17
